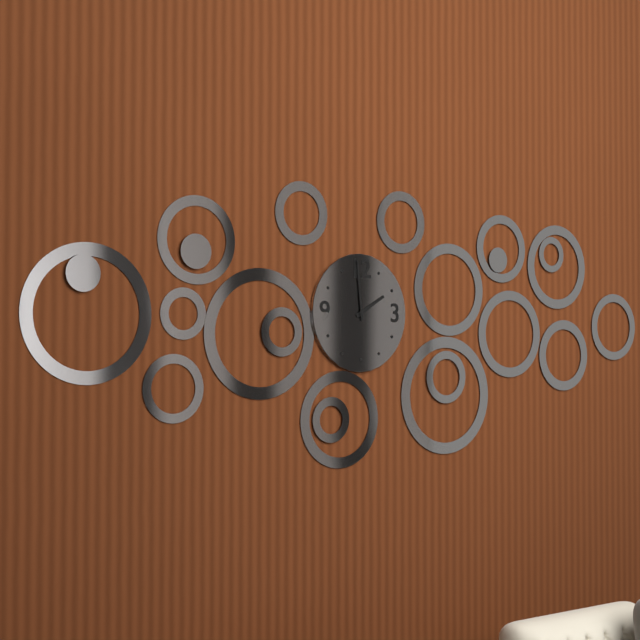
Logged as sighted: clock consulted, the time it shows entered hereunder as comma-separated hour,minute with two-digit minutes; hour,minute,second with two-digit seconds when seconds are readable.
1,59
